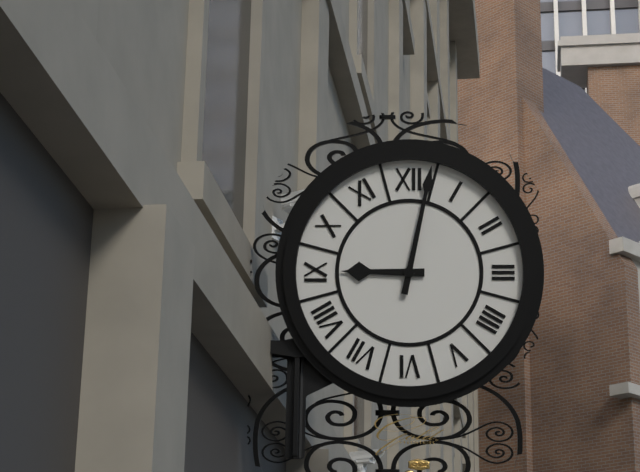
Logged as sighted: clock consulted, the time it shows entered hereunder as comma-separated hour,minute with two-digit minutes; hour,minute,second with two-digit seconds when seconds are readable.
9,02
